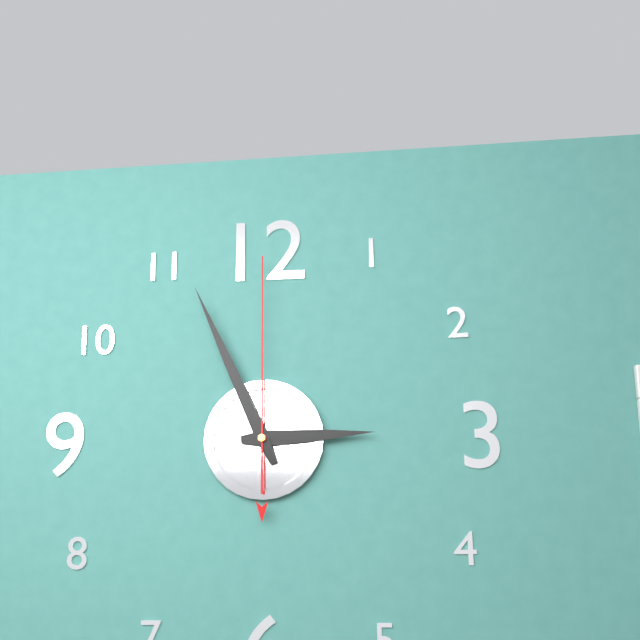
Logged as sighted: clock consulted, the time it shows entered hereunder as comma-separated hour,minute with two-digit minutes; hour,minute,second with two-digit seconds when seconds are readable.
2,56,00
